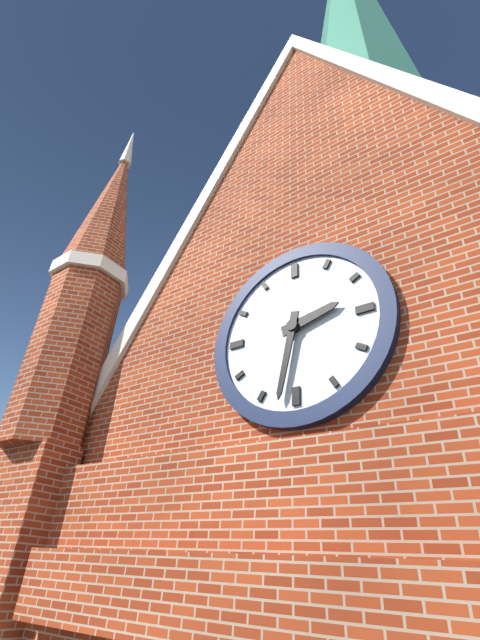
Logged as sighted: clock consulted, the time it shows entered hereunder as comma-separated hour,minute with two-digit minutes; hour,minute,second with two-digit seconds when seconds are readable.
2,32
